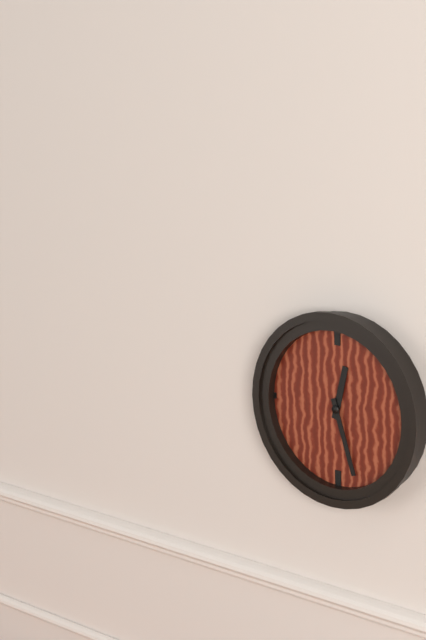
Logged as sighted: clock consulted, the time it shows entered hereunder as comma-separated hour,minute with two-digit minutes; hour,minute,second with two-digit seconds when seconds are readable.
12,27
